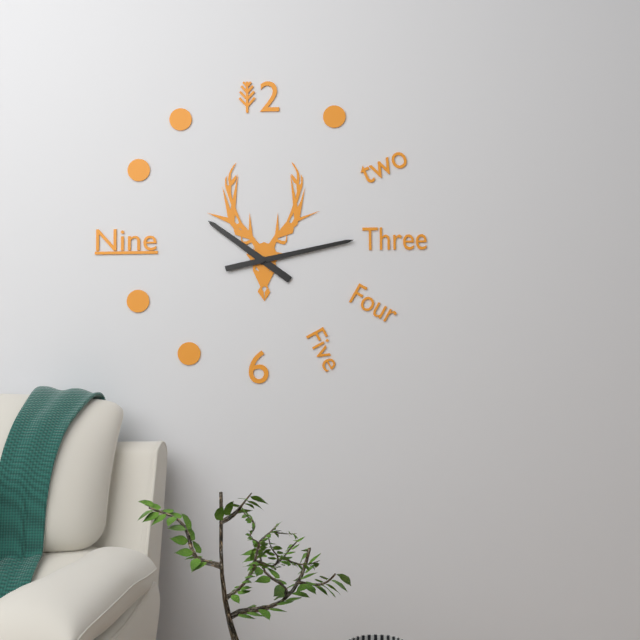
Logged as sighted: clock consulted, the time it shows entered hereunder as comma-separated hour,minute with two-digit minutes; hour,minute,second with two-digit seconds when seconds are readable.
10,13
